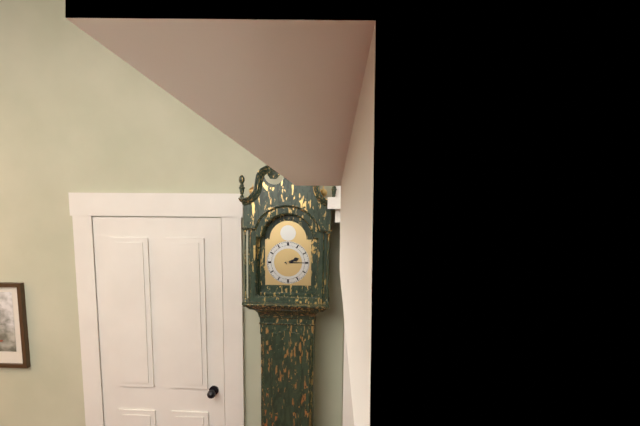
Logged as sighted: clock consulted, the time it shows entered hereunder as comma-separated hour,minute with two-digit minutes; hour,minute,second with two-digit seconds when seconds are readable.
2,15
